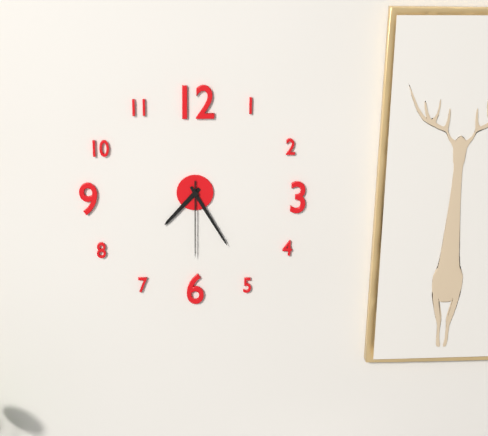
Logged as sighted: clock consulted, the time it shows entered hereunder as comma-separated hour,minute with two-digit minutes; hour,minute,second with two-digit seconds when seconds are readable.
7,25,30
